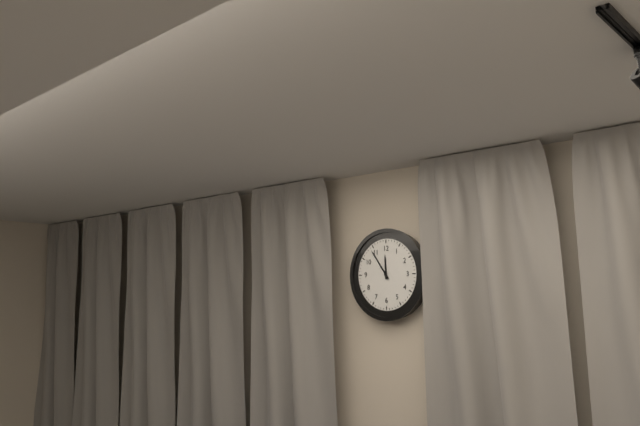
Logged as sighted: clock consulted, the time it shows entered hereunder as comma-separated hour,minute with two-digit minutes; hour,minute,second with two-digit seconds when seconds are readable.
11,54
